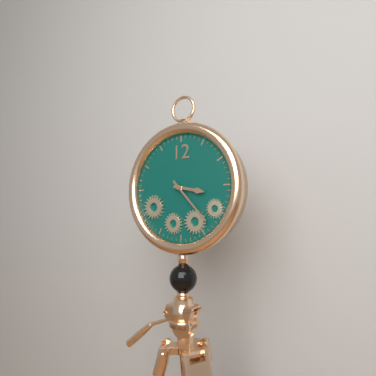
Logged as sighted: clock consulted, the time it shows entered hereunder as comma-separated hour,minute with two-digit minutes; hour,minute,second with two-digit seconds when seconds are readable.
3,23
